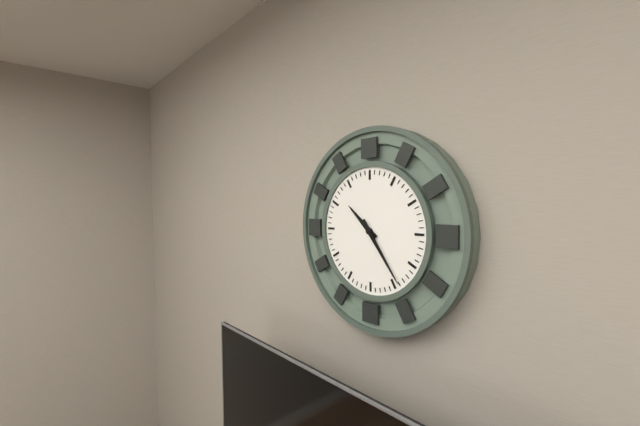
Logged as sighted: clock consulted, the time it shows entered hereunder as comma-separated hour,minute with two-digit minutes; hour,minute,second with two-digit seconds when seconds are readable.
10,24
